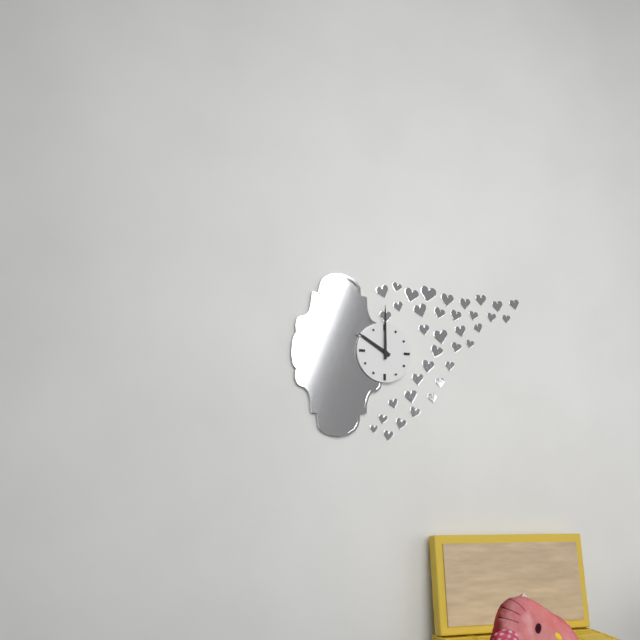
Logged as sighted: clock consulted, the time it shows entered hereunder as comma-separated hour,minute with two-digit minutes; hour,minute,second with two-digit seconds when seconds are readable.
10,00
